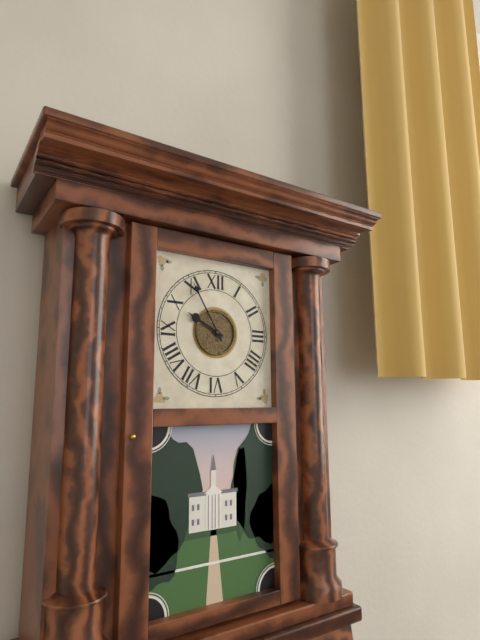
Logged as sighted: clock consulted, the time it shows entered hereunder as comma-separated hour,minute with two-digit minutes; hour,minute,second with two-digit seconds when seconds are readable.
9,55
